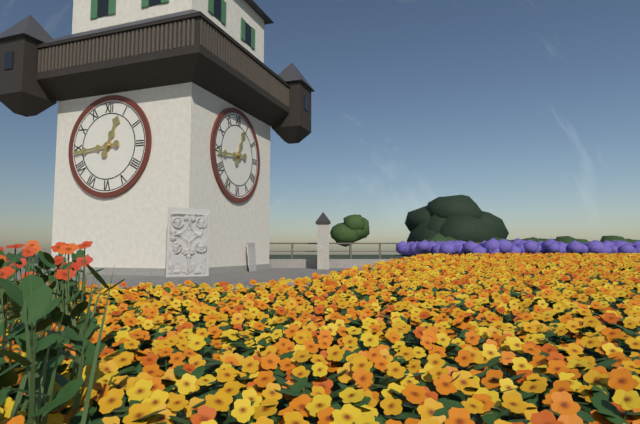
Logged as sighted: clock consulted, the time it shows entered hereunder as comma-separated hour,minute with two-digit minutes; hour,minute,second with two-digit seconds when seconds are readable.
12,44
